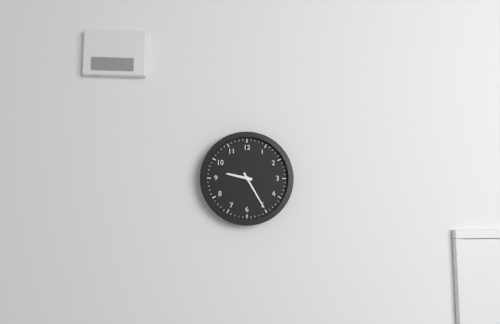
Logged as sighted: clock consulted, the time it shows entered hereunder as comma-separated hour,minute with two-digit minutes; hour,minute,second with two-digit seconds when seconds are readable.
9,25
